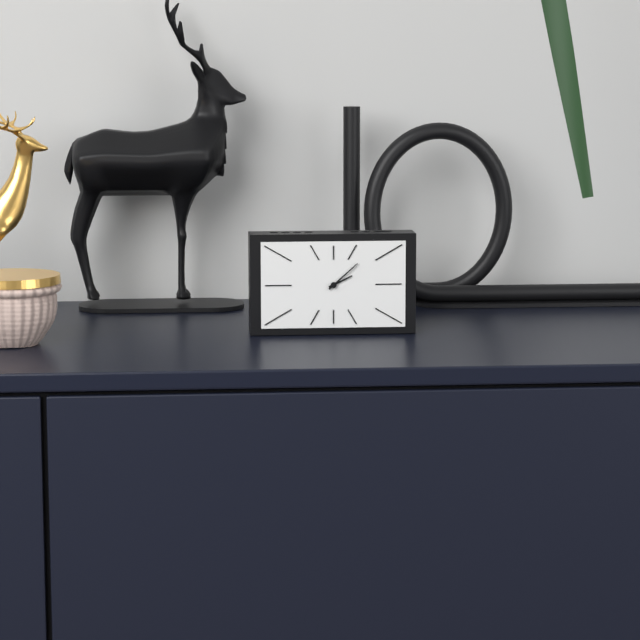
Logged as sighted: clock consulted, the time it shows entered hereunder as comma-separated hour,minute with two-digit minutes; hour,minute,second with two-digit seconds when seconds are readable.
2,08
